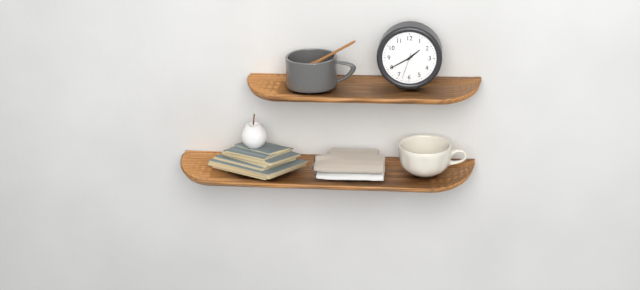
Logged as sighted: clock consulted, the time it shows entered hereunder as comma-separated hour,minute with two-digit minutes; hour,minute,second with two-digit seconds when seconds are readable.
1,40
